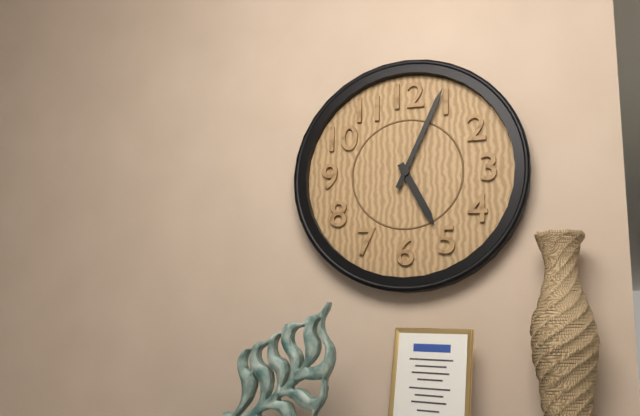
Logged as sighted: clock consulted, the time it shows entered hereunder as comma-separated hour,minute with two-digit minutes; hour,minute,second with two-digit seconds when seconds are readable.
5,04
